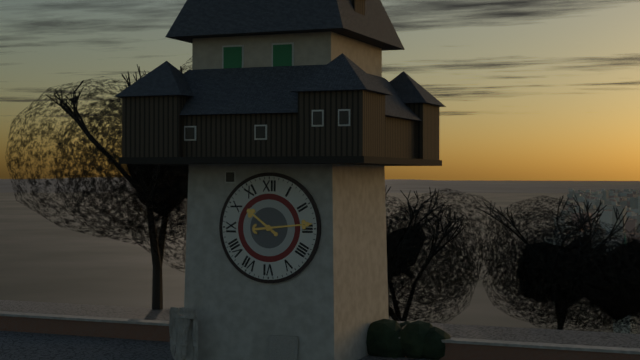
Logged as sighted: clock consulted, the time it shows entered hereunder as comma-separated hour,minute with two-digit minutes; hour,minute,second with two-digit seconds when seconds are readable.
10,14
